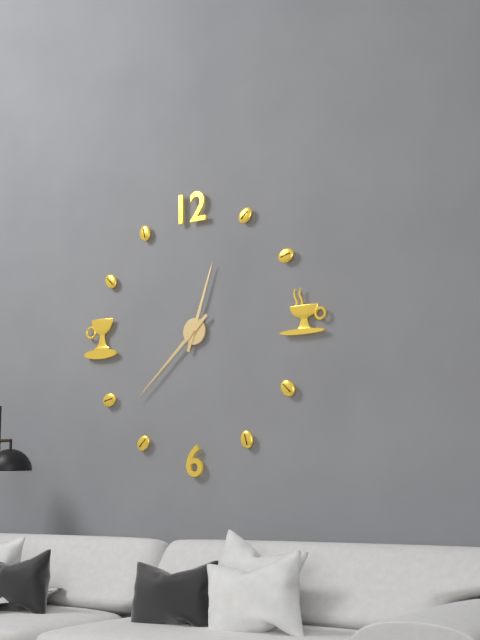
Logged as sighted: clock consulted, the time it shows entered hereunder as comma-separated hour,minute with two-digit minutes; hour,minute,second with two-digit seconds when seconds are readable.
12,38
